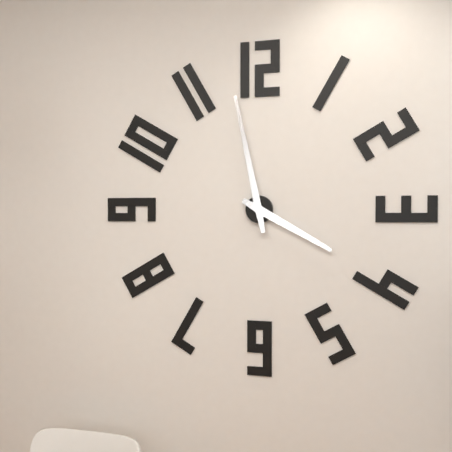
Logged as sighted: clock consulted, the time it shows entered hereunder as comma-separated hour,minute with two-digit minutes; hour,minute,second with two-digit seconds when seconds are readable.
3,58
